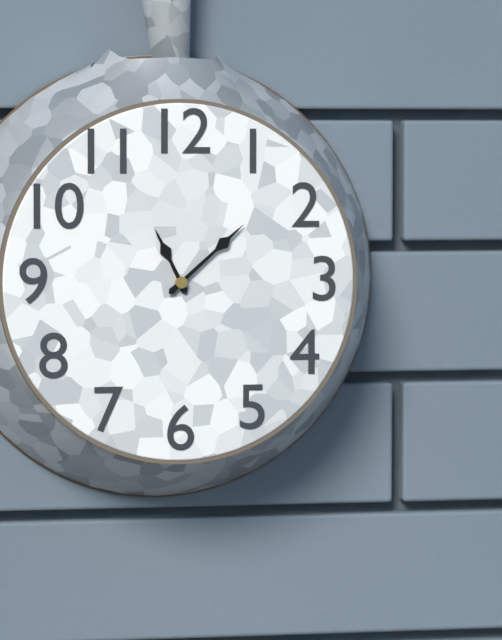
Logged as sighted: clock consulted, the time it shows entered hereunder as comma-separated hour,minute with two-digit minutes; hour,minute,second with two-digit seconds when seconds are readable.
11,08
